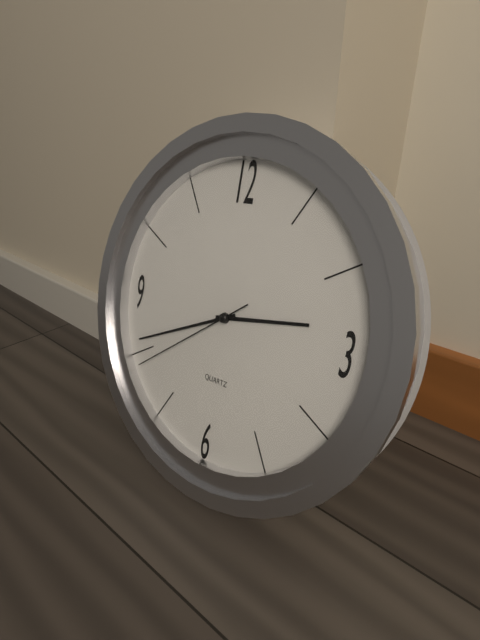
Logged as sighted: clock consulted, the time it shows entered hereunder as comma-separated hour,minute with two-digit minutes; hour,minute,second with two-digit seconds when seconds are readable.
2,41,39
